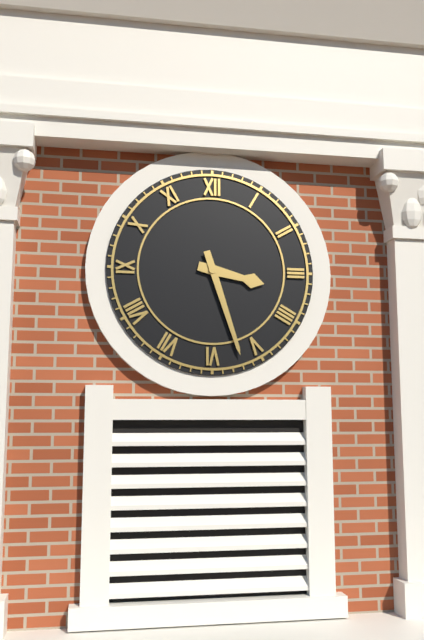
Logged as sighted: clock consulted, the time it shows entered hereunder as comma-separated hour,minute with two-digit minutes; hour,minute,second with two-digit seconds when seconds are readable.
3,27
